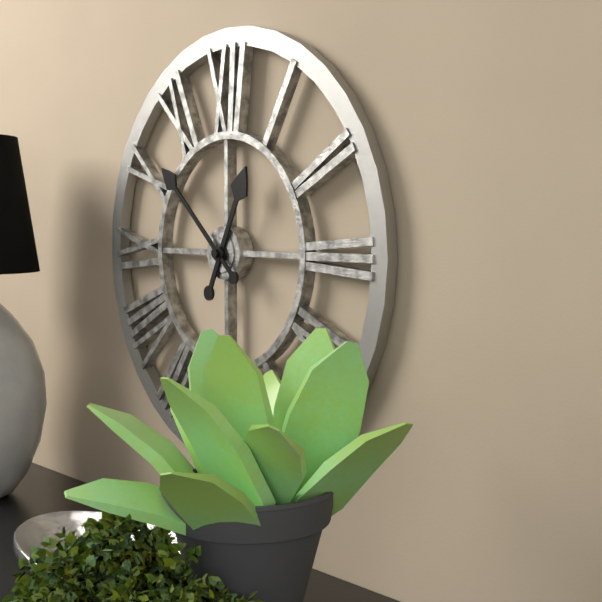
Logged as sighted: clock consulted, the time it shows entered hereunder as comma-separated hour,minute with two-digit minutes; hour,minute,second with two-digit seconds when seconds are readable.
12,52
